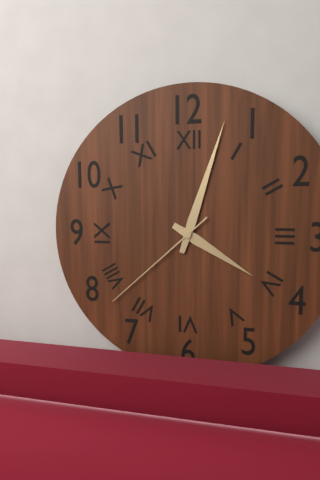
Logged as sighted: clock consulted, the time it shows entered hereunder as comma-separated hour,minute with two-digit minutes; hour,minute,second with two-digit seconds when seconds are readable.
4,03,38
